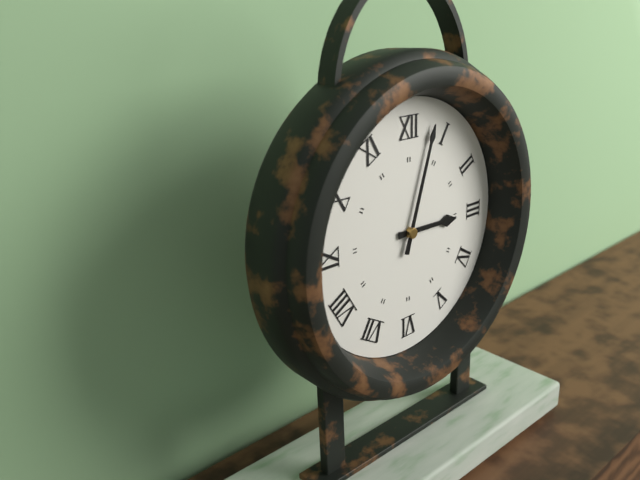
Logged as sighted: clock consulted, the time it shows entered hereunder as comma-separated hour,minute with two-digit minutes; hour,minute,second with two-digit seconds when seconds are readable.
3,03
